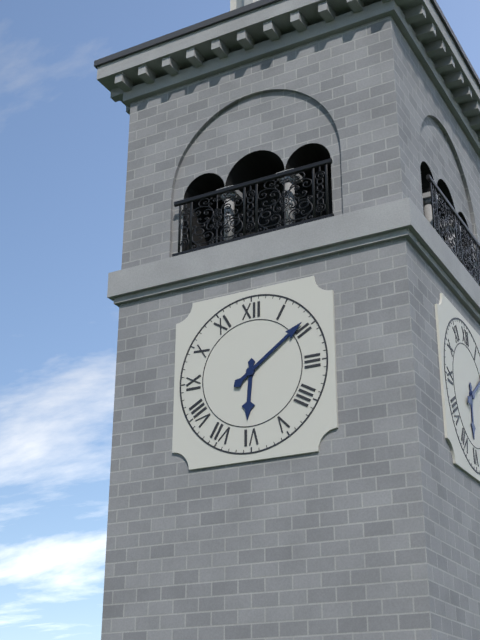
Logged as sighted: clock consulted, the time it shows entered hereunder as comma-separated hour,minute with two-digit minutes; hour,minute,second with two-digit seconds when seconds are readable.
6,09
